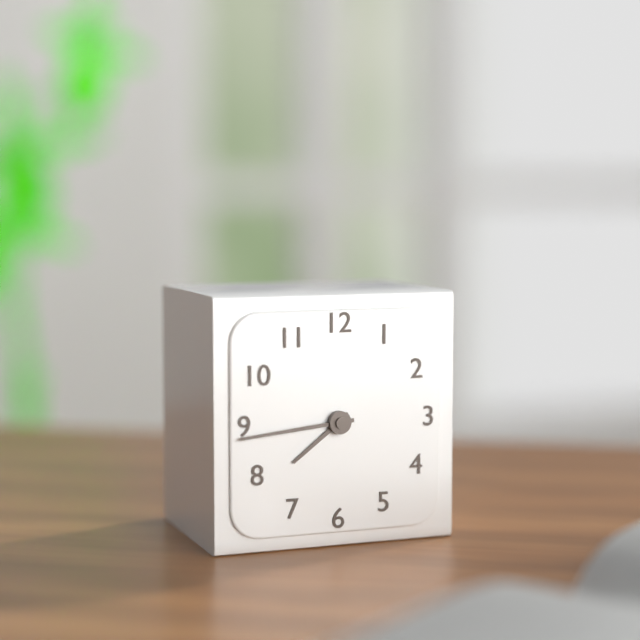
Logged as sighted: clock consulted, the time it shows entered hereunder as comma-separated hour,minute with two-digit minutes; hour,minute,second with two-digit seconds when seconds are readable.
7,44
